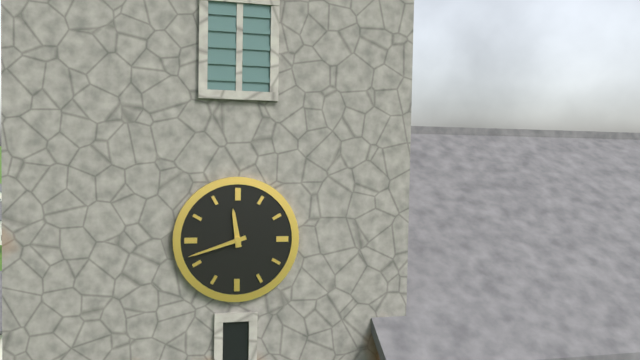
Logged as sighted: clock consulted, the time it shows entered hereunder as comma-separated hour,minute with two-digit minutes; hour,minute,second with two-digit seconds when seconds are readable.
11,42
